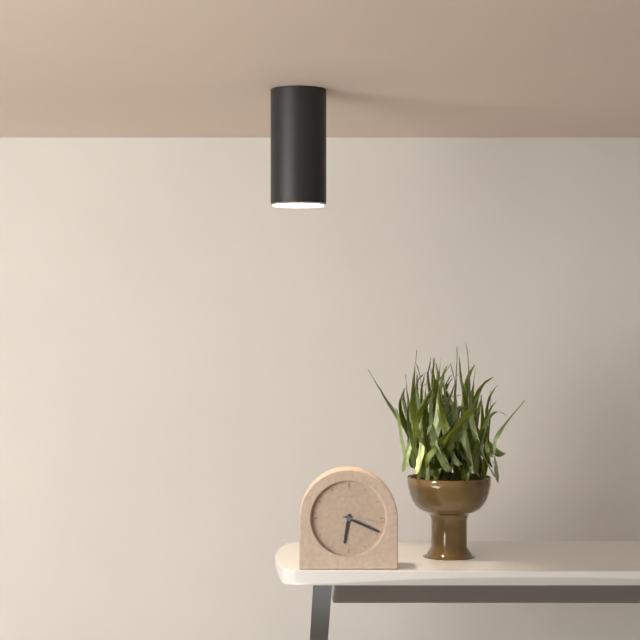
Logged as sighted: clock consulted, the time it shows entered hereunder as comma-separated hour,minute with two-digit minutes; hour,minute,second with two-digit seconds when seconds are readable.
6,19
